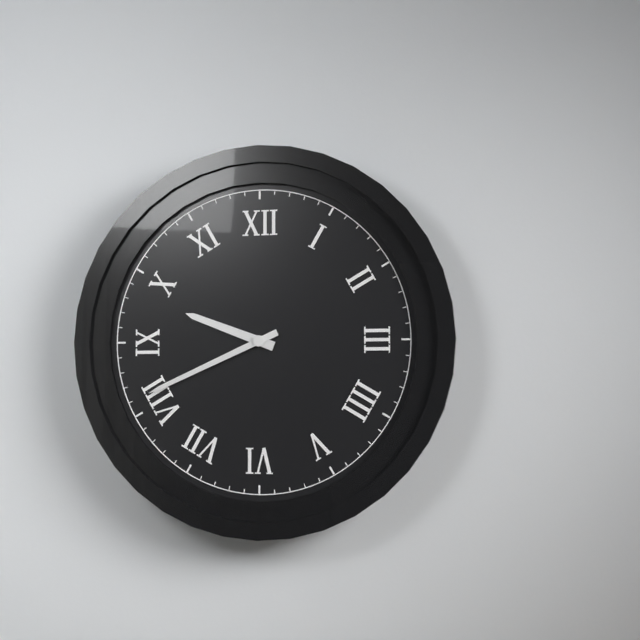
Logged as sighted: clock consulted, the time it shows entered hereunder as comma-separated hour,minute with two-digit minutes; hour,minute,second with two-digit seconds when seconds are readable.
9,41
